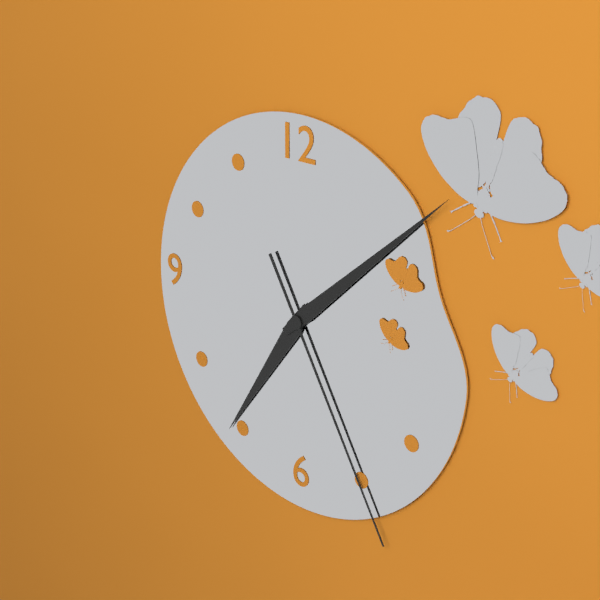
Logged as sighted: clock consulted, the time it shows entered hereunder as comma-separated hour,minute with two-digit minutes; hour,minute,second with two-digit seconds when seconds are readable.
7,08,25
